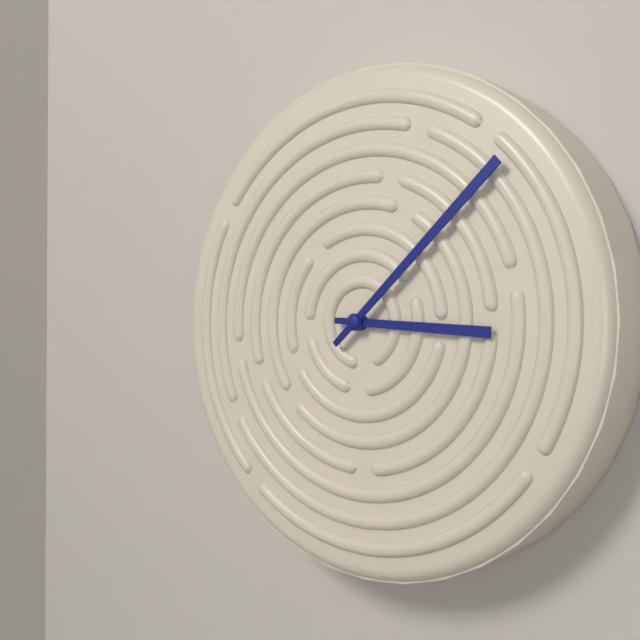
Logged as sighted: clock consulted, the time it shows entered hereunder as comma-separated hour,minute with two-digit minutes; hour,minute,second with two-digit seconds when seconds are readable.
3,08
